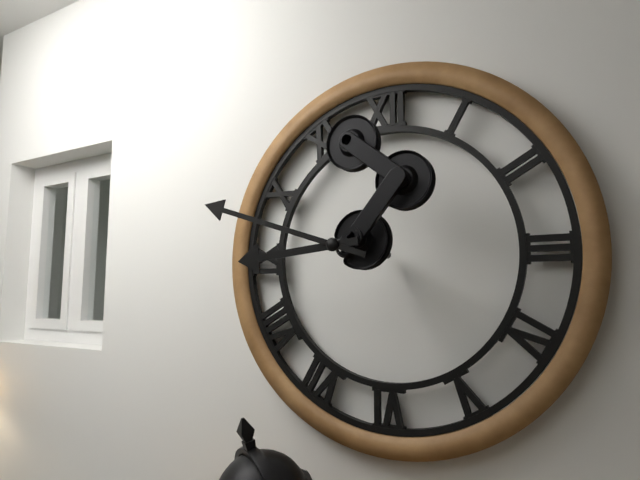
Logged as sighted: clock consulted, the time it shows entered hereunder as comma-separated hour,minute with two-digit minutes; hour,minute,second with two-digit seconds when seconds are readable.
8,48
